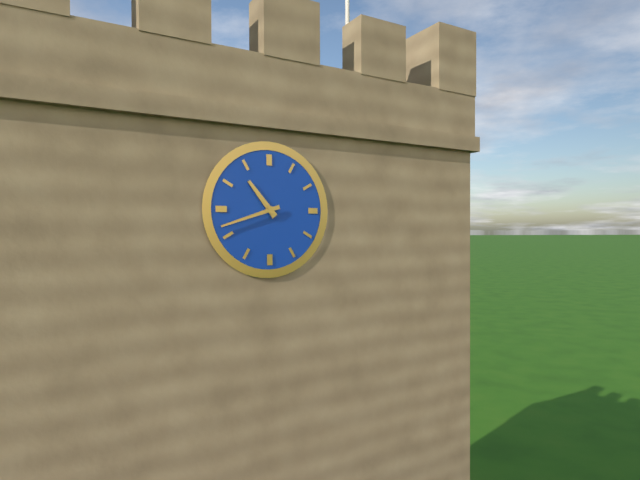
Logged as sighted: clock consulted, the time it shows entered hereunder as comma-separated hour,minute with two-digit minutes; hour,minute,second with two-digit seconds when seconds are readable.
10,42
